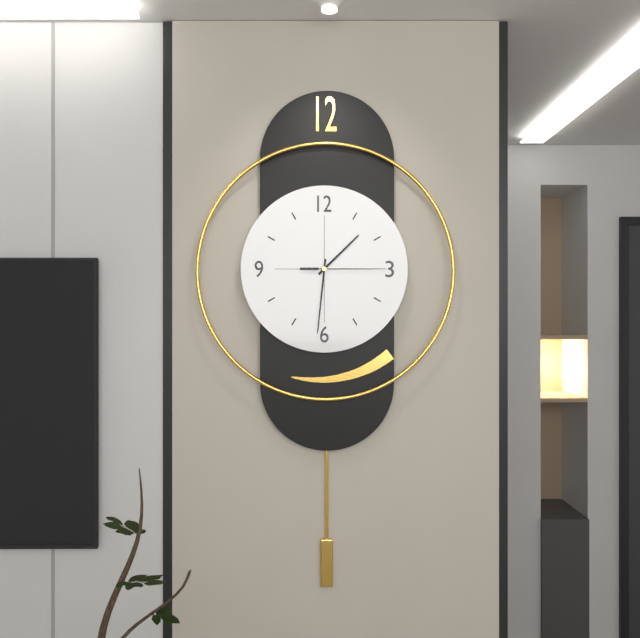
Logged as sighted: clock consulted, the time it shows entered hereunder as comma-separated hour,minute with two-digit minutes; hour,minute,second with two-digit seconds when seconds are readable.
1,31,15
